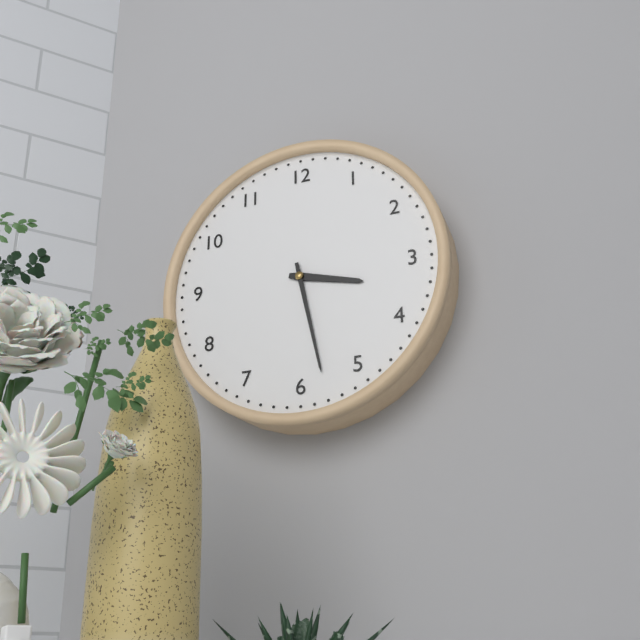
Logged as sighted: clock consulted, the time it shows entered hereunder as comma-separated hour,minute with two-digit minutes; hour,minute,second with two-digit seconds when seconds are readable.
3,28
